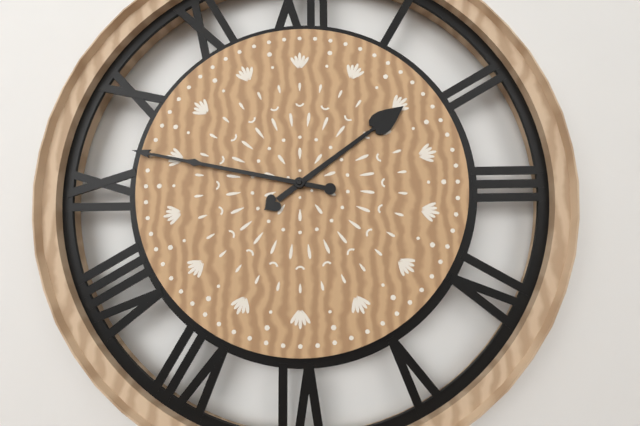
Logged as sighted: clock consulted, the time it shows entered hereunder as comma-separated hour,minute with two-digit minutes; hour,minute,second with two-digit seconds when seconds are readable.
1,47
